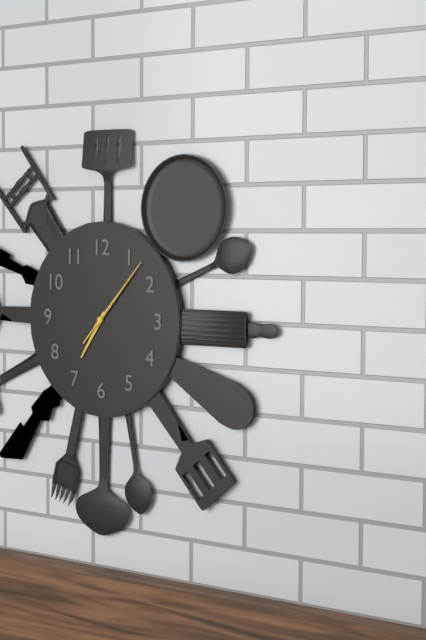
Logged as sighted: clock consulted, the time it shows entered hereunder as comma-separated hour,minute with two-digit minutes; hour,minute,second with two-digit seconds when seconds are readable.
7,07,07
